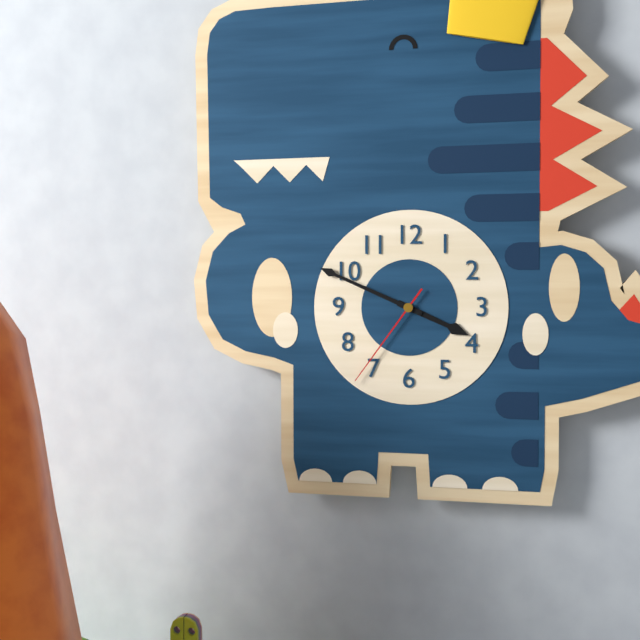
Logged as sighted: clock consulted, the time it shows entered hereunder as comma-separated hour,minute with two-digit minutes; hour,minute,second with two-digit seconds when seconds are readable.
3,49,36
